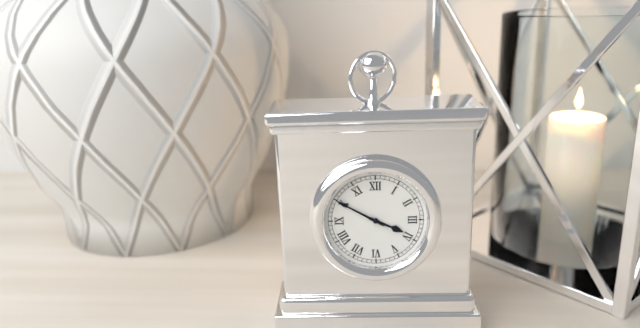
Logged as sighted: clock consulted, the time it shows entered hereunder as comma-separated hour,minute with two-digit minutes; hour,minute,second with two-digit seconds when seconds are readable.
3,50
